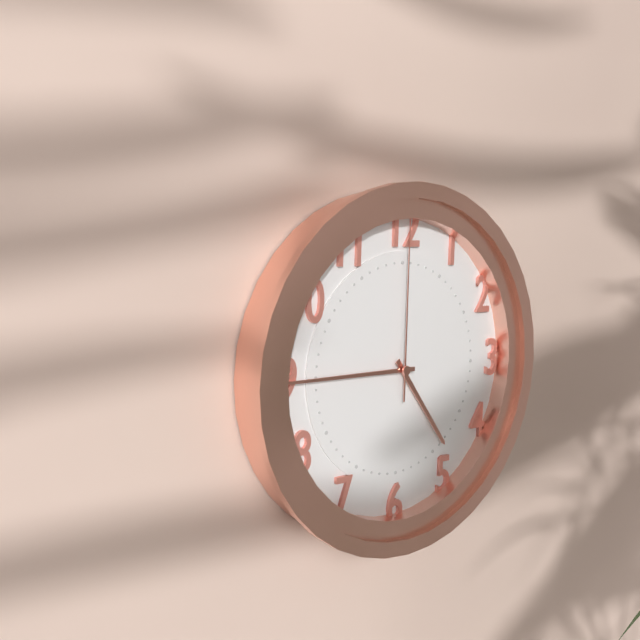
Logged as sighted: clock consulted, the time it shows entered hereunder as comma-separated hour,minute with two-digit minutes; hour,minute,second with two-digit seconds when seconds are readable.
4,45,00
